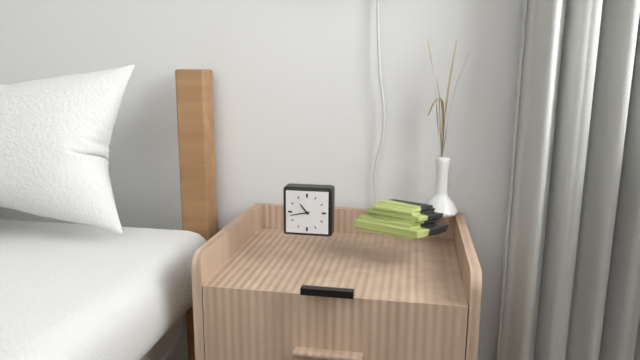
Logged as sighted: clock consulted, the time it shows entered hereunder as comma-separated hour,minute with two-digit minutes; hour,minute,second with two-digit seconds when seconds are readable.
10,43
